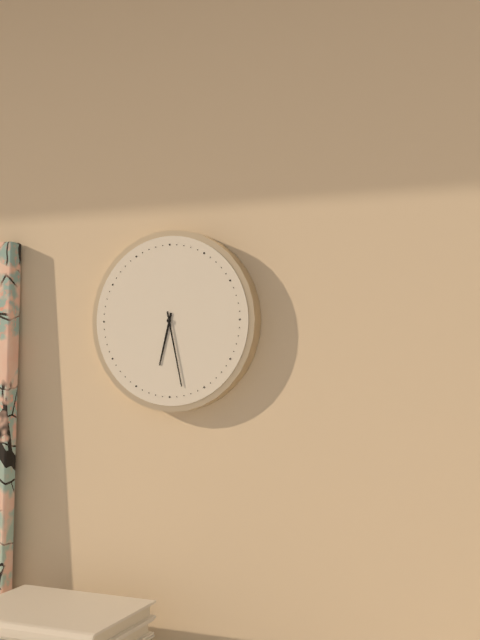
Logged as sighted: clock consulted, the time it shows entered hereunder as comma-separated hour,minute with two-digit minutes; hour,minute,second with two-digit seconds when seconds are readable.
6,28
